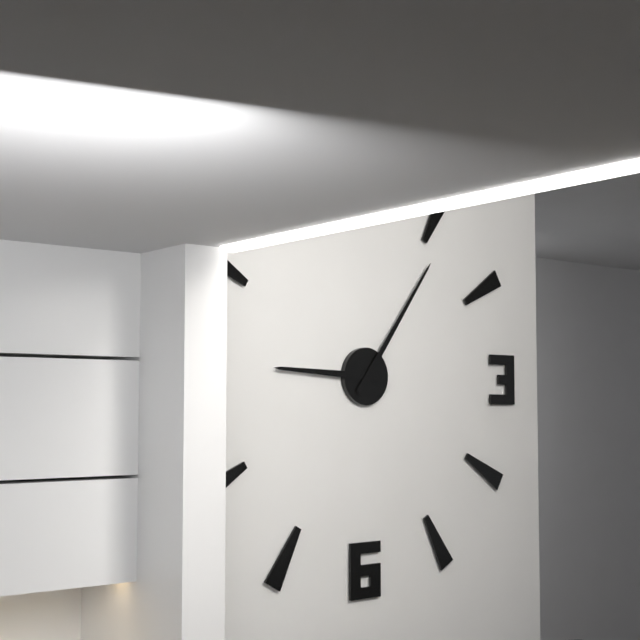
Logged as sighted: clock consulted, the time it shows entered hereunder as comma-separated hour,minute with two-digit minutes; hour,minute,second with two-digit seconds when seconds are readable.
9,06
